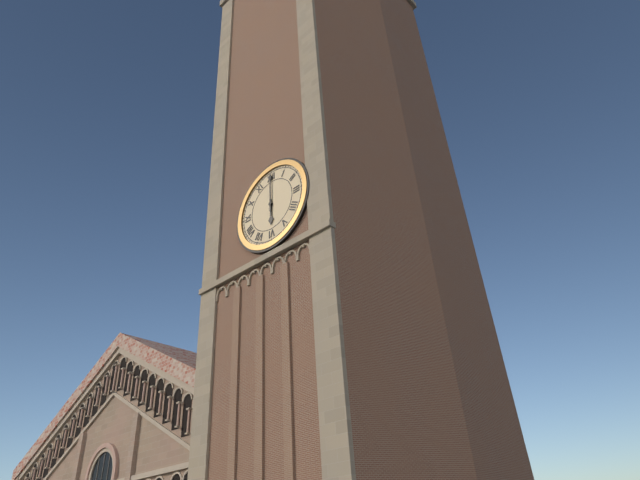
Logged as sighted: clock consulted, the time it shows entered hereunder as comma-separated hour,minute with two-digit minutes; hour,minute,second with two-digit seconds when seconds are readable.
6,00
